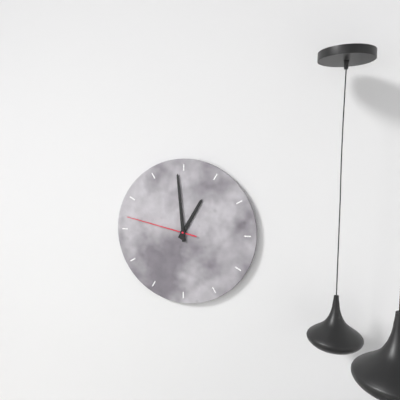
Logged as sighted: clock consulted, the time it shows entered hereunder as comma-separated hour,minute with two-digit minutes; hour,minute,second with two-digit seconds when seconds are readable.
12,59,47
